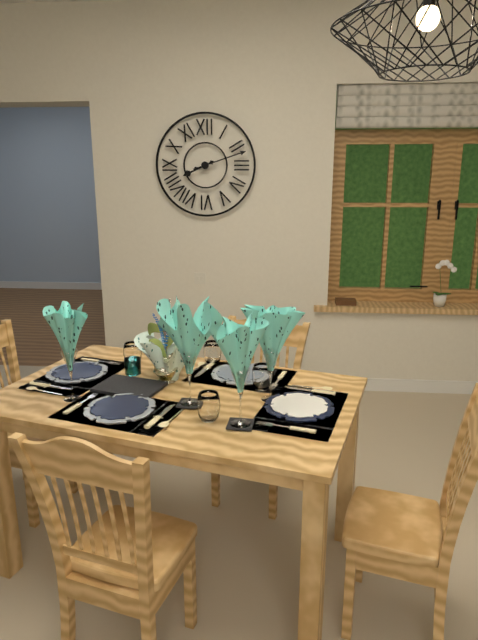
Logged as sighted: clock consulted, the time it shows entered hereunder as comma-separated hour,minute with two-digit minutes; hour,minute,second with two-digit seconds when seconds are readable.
8,12
